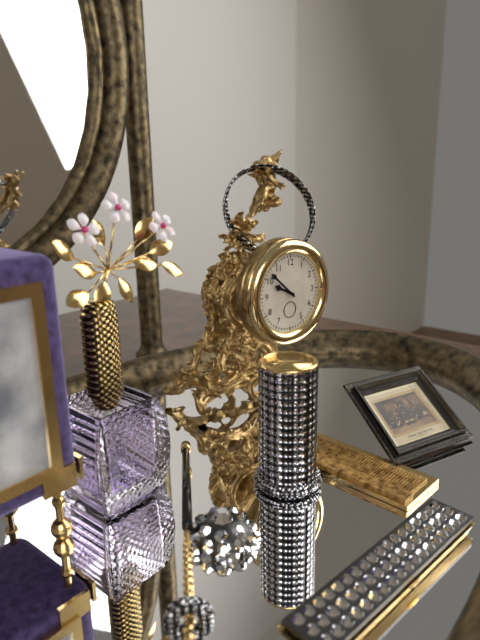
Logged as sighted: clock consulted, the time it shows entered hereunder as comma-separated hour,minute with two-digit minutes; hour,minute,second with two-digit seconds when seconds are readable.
9,52
